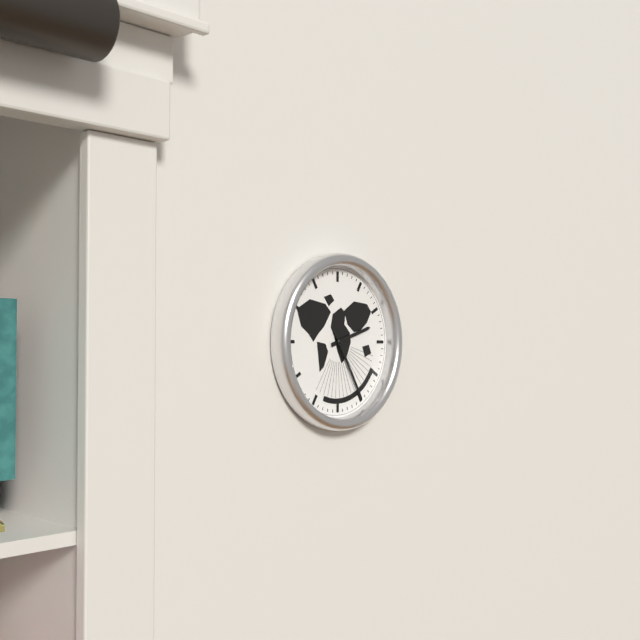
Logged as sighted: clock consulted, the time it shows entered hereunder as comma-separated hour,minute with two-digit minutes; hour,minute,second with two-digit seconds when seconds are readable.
2,25
